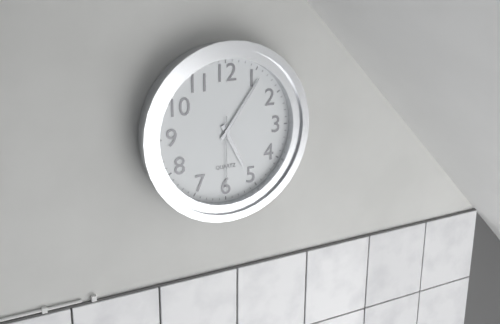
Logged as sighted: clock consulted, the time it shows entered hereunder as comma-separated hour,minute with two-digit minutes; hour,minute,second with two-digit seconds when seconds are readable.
5,06,30
